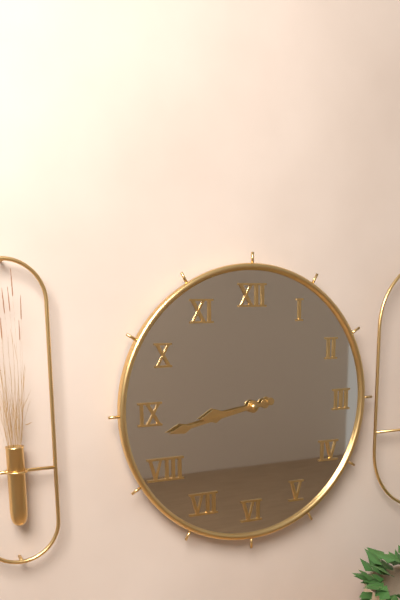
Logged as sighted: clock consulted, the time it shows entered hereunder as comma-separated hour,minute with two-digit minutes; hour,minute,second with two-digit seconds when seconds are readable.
8,43
